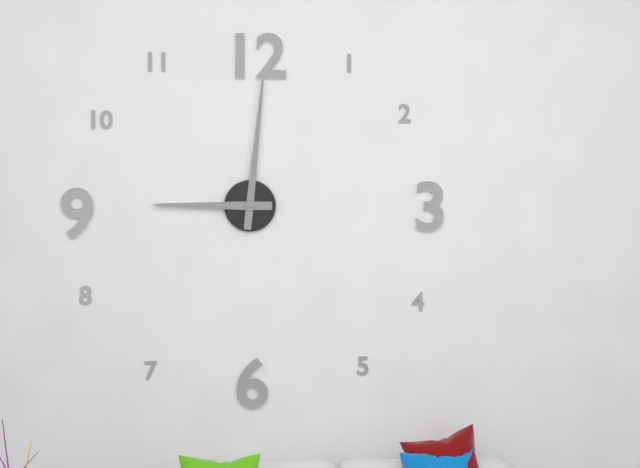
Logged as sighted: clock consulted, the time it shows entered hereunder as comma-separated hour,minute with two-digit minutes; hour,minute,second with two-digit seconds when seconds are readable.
9,01
